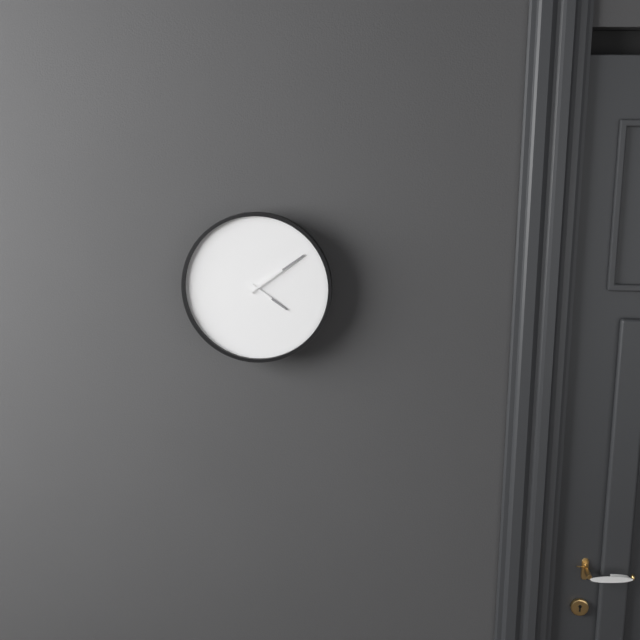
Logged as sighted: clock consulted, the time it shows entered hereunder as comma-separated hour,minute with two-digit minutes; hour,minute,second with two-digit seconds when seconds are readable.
4,09
